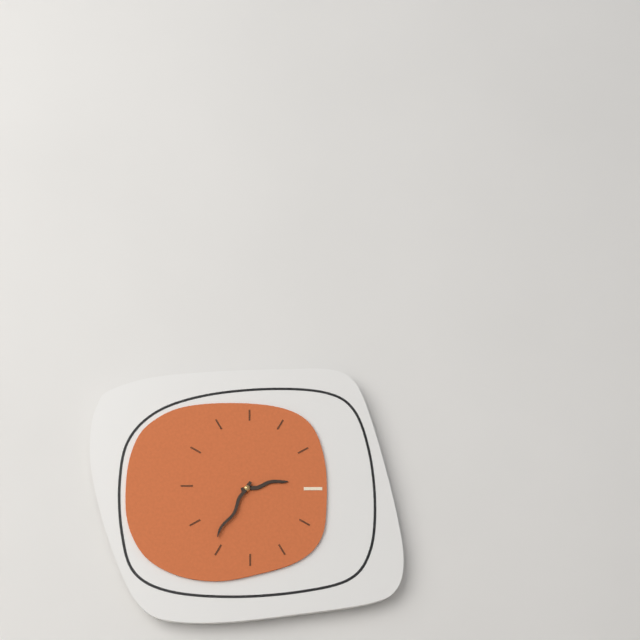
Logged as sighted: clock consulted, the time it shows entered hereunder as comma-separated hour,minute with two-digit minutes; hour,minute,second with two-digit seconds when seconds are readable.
2,35
